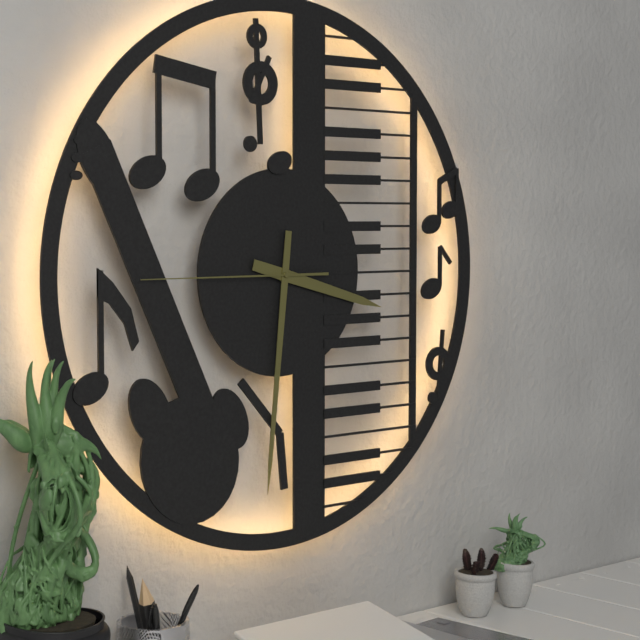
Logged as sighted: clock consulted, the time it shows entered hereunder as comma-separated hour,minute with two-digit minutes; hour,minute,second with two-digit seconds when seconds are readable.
3,31,45
